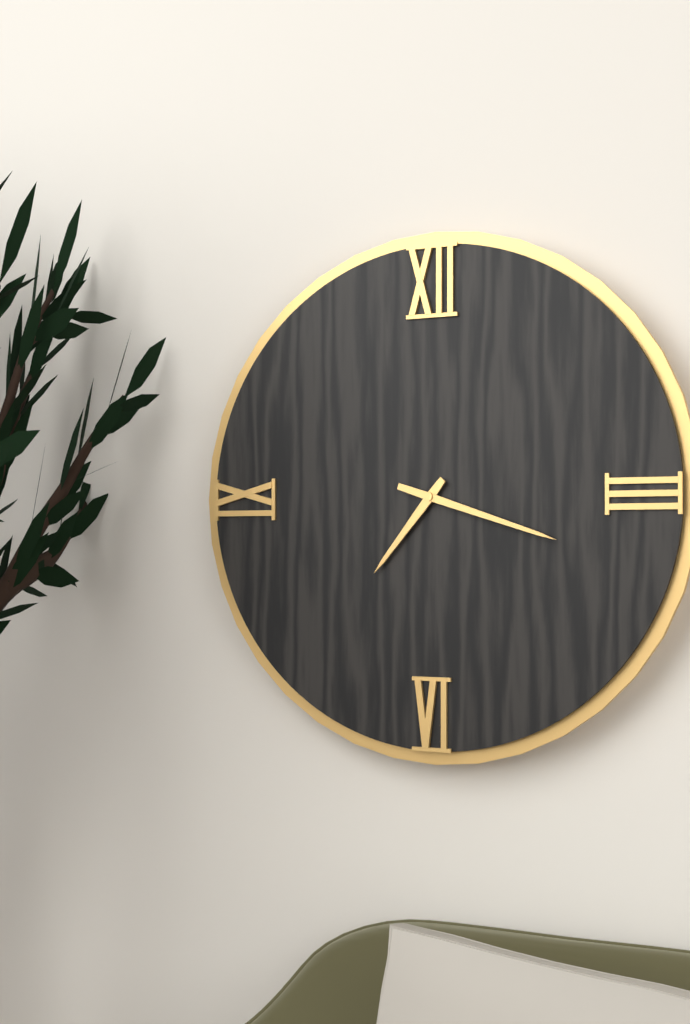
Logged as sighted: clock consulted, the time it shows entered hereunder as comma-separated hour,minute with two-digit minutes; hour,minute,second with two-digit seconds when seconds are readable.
7,18
